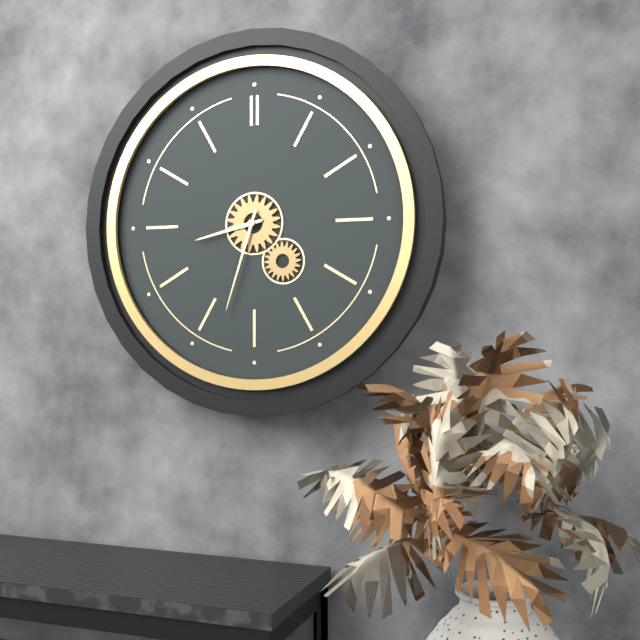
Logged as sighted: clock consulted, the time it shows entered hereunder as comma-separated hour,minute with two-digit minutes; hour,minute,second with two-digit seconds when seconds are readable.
8,33
